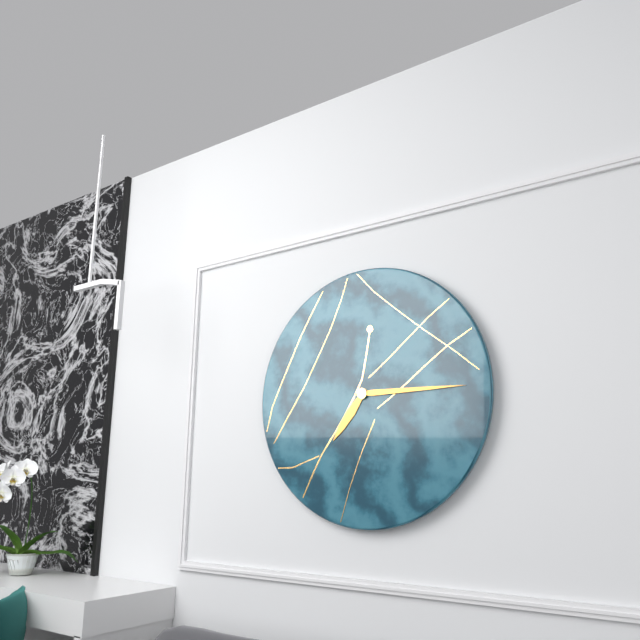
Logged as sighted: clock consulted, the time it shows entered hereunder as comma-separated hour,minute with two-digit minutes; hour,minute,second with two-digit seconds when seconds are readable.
7,15
